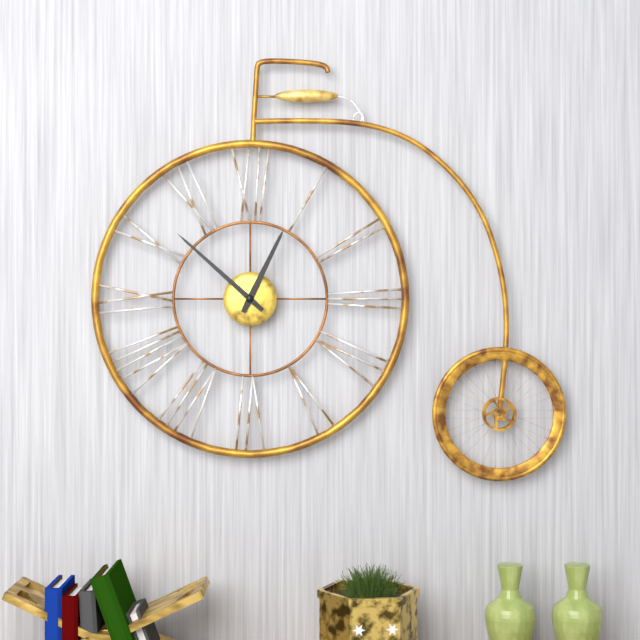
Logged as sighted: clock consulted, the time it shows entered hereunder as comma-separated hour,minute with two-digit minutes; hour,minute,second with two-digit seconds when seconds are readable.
12,52
